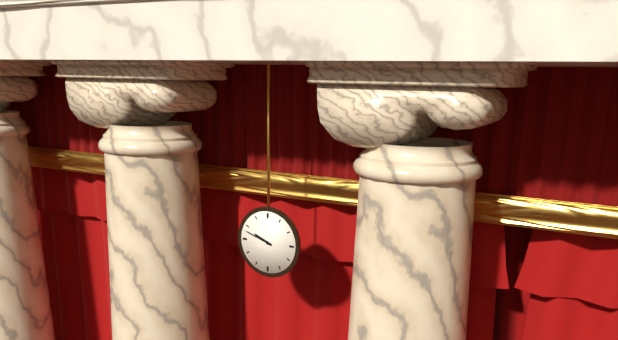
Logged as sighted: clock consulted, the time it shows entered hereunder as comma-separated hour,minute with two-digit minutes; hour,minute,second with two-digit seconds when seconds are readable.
9,48
